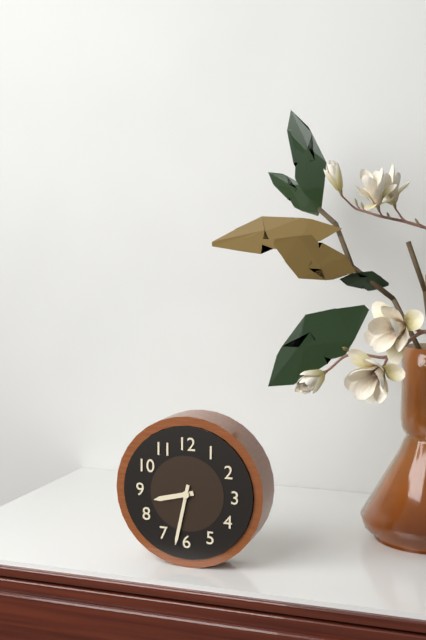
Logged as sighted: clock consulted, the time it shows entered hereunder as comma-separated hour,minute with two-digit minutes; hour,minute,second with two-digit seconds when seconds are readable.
8,32
